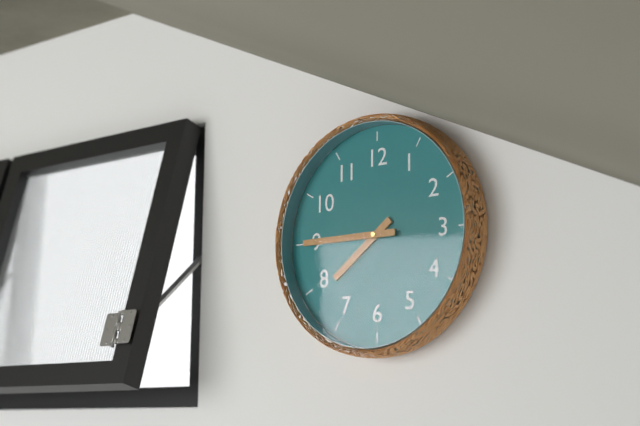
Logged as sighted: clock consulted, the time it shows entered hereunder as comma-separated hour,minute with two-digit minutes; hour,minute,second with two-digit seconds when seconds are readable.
7,45
